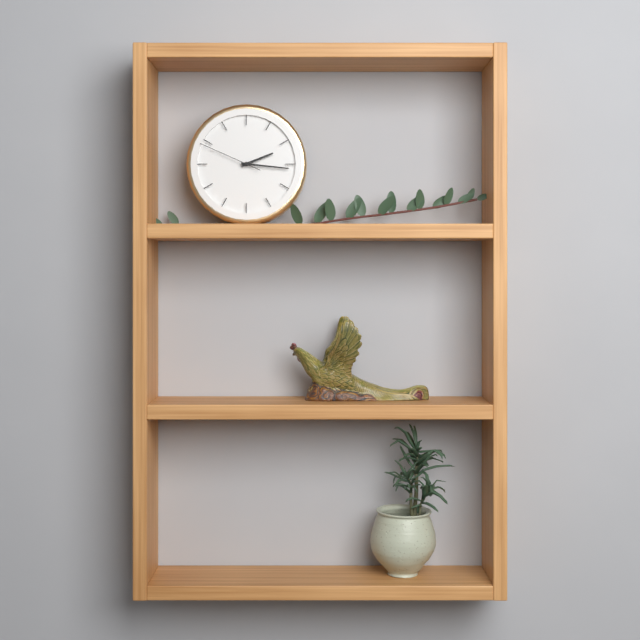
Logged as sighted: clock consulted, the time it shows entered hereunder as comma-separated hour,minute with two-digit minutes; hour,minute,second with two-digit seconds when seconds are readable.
2,16,49
